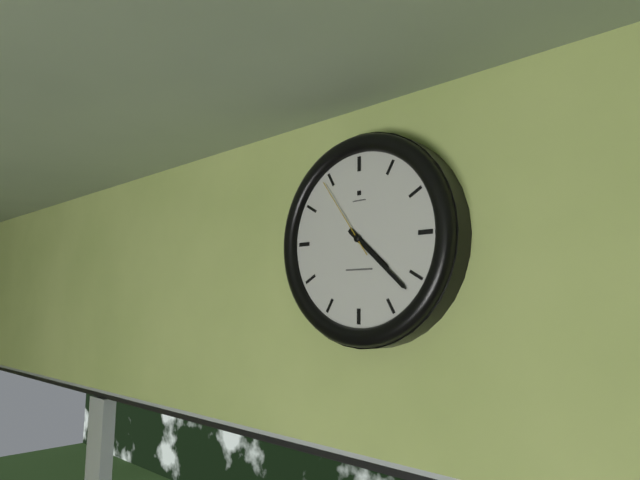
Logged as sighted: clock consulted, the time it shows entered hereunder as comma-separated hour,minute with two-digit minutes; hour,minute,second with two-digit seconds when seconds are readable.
4,22,54
